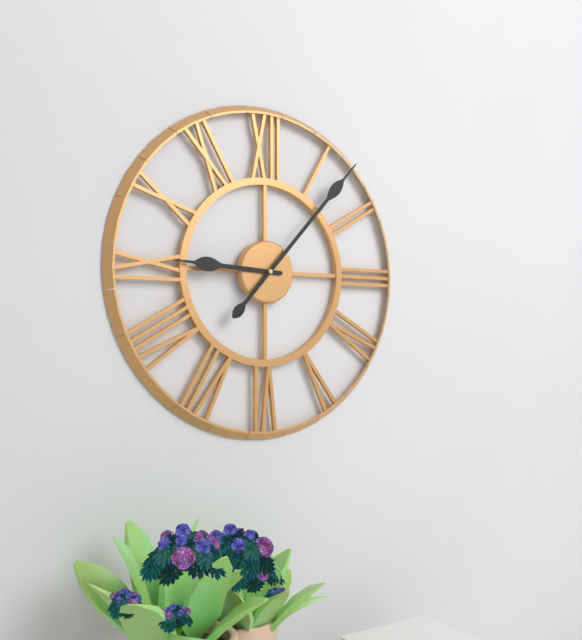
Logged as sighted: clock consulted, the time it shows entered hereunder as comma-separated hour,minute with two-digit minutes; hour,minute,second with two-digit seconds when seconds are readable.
9,07
